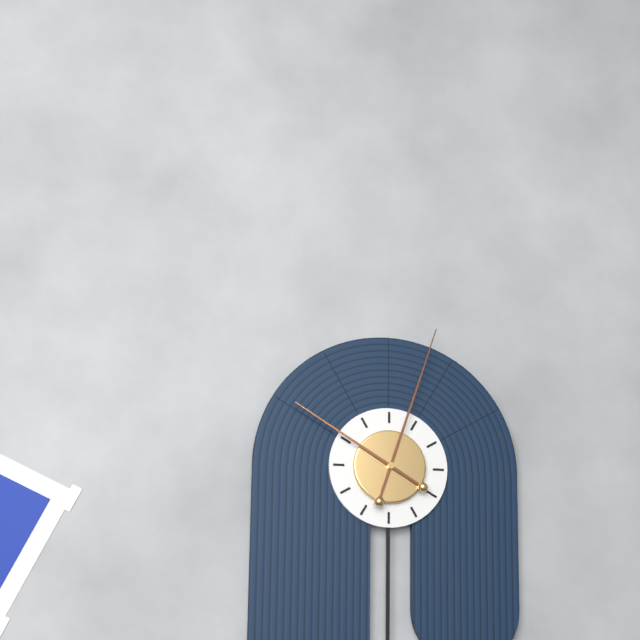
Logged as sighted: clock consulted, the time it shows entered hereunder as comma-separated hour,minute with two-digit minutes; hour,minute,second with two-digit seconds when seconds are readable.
10,03
